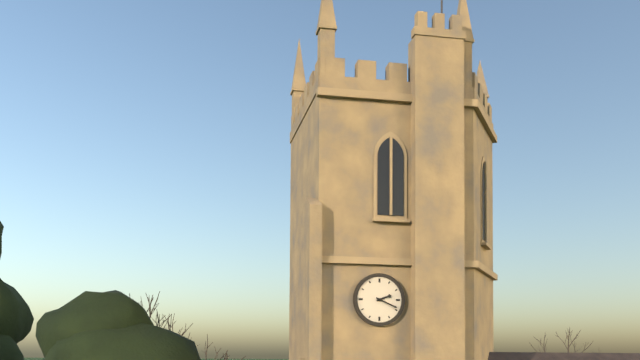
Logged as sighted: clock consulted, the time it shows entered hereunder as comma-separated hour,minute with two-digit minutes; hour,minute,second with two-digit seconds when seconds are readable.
2,19
